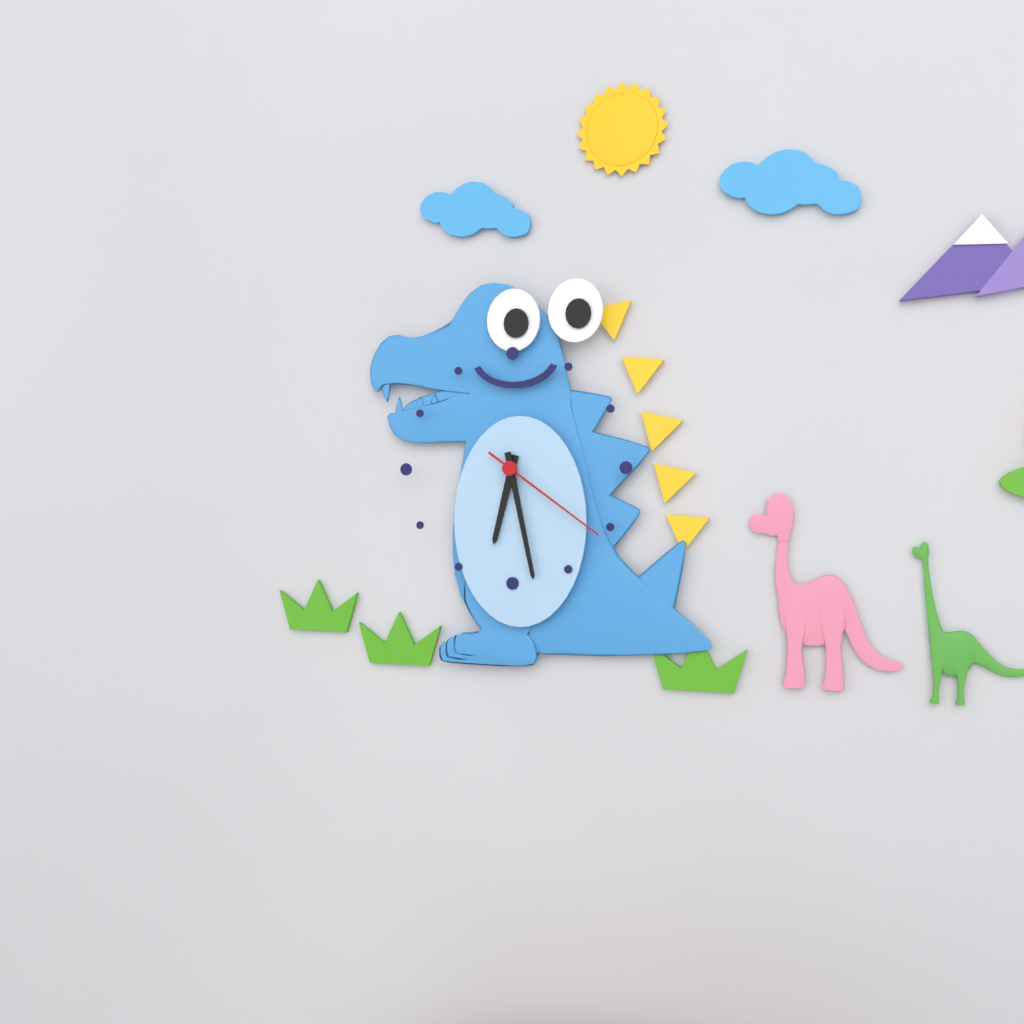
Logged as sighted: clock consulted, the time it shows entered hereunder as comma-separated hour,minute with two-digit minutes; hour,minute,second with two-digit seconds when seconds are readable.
6,28,21
